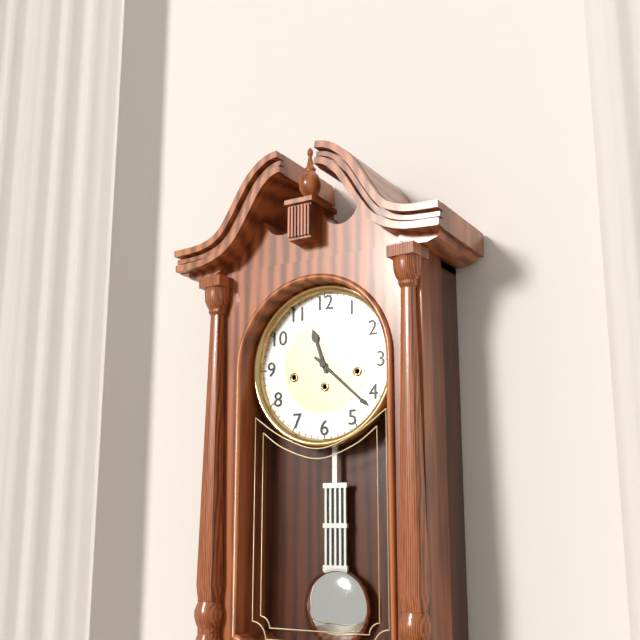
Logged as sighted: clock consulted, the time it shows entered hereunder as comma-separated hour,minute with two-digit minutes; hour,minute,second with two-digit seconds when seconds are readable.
11,22
